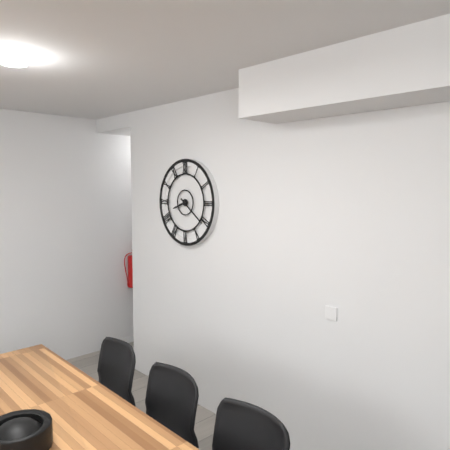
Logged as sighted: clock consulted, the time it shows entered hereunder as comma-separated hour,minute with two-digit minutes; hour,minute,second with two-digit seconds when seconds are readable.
8,21
